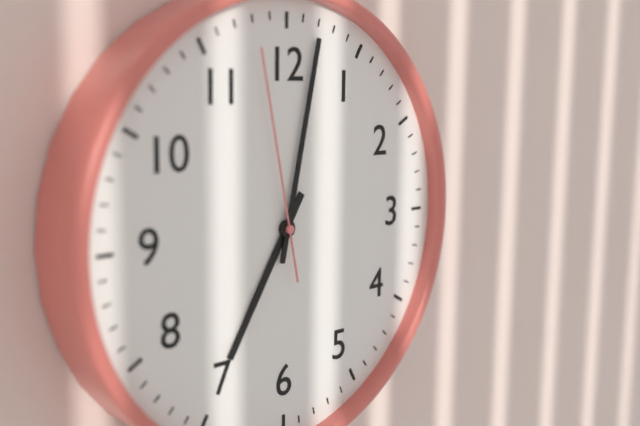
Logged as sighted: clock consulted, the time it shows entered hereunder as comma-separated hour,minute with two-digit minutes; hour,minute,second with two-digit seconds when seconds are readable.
7,02,58
